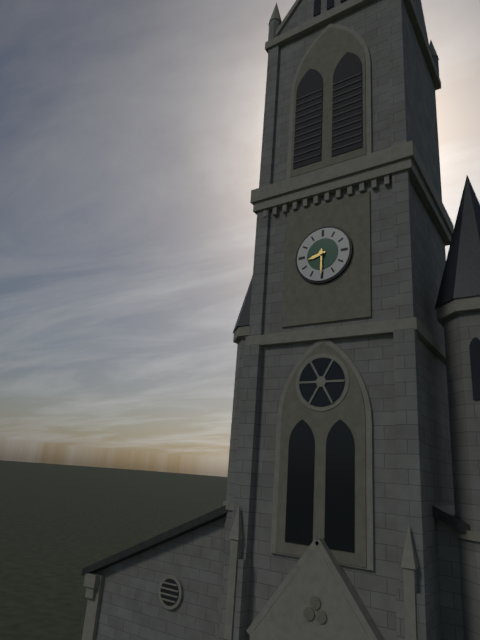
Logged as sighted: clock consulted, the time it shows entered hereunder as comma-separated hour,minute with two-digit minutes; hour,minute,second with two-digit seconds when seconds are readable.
8,30
